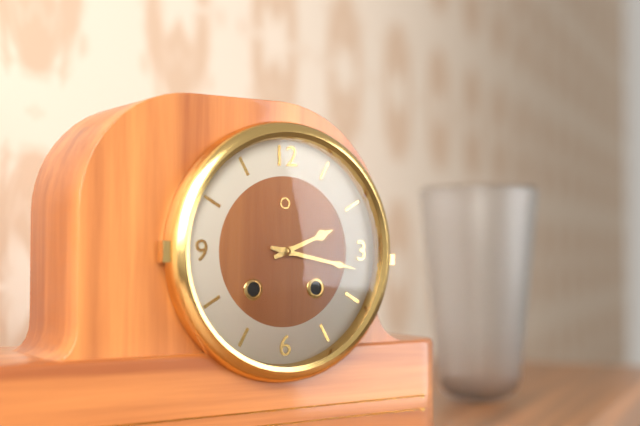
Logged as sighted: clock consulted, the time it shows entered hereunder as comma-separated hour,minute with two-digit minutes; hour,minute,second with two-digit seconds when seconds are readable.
2,17
